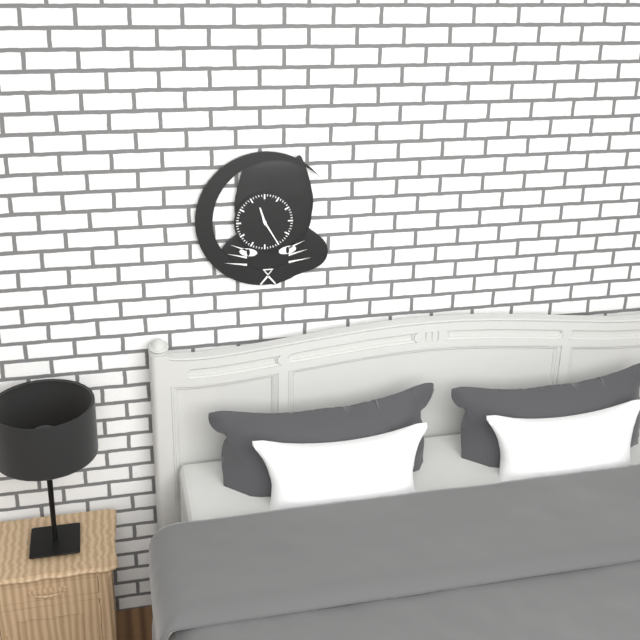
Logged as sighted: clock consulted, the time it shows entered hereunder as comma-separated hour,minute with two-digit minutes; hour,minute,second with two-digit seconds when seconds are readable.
11,25
